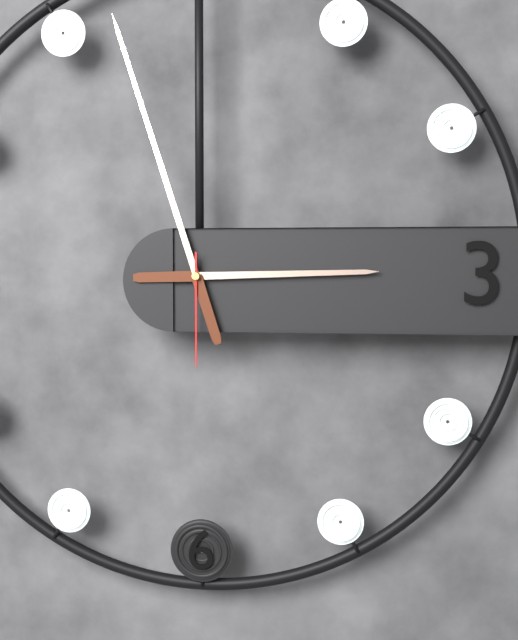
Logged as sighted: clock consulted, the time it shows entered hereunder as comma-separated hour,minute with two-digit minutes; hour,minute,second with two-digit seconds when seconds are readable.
2,57,30
